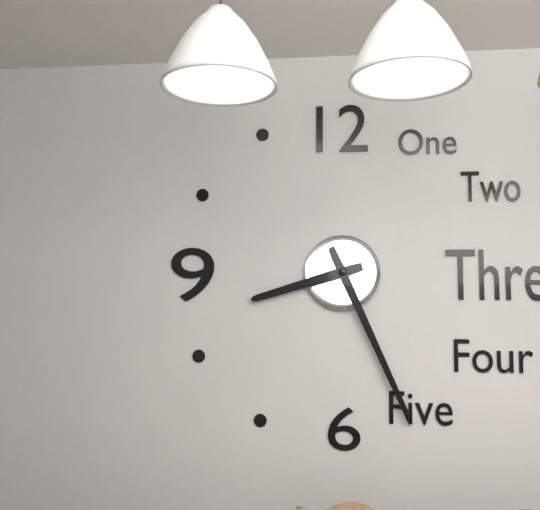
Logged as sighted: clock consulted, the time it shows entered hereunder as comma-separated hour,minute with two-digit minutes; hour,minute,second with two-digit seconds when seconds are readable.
8,26
